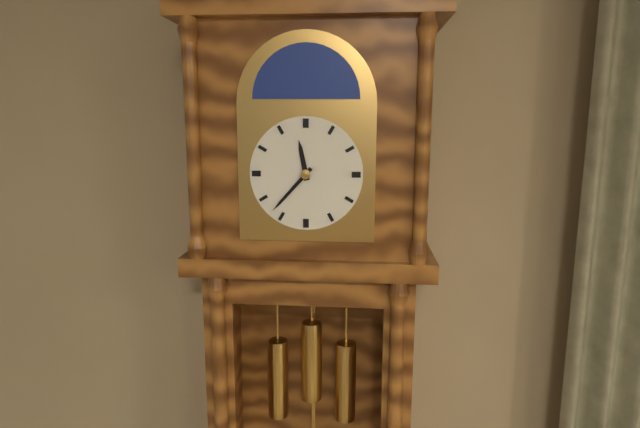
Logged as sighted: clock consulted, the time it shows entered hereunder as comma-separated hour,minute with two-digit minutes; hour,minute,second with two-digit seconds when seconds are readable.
11,37
